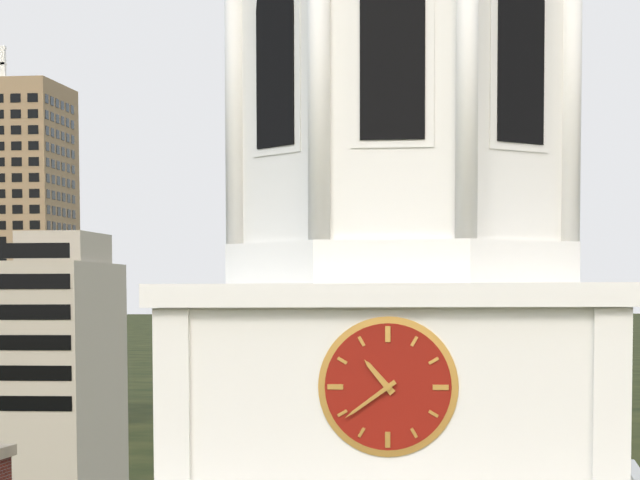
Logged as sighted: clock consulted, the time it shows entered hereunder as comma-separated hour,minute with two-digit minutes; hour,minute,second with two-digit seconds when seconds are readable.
10,39
